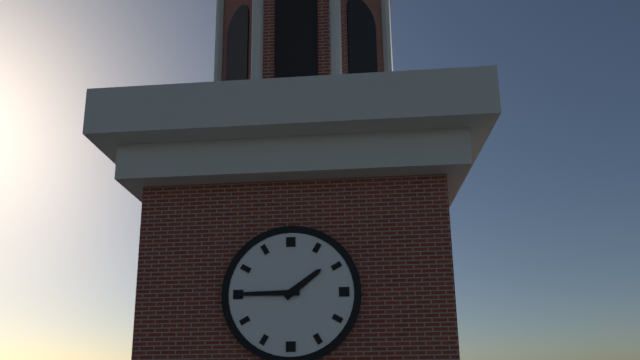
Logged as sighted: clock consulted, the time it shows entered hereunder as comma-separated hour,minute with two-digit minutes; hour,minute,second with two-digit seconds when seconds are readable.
1,45
